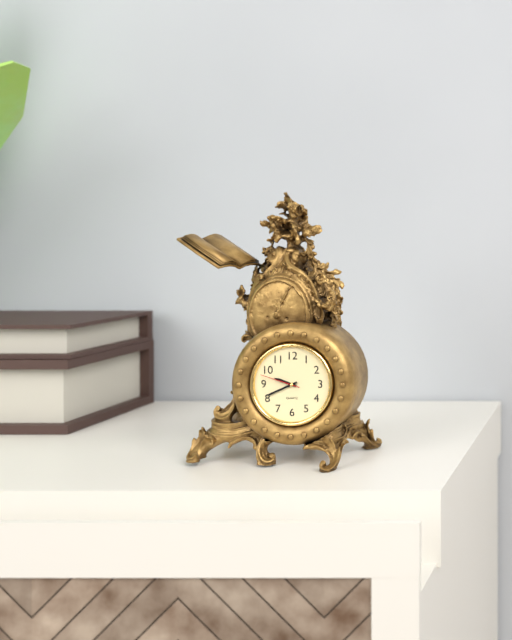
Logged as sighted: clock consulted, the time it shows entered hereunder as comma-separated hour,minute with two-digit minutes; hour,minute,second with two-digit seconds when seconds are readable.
9,41
